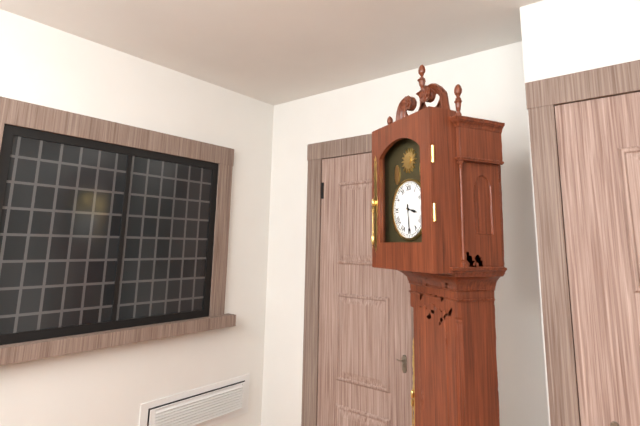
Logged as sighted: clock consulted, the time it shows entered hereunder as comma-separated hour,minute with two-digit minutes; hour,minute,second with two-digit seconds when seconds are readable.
3,29
